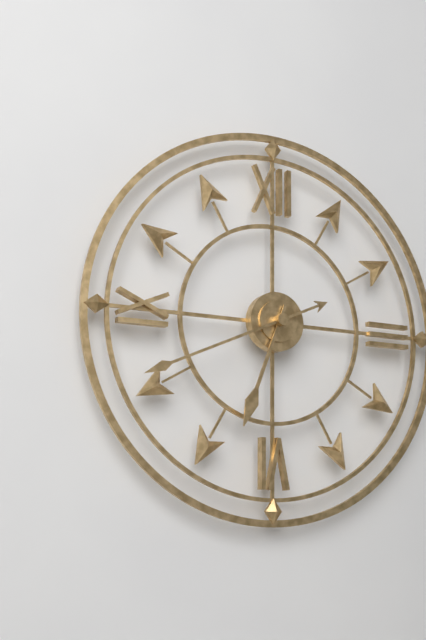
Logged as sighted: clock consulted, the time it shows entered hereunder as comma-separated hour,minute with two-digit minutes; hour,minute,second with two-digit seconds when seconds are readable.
6,41
